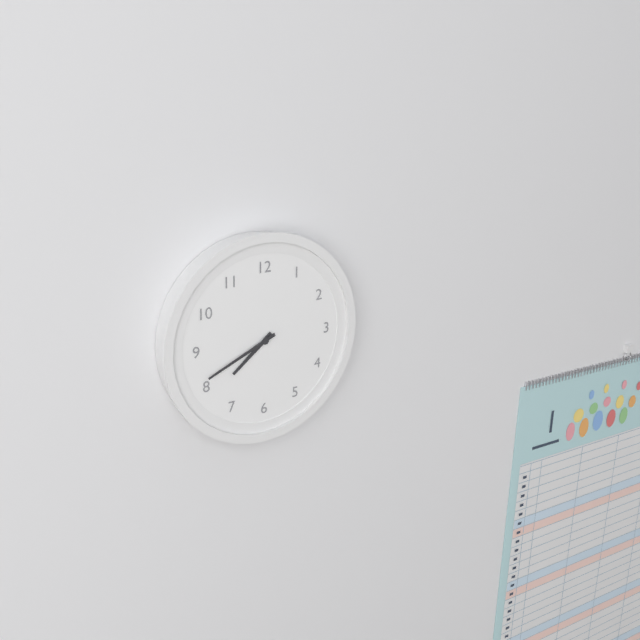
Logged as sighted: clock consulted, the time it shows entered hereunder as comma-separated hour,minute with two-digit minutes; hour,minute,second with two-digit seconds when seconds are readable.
7,41
